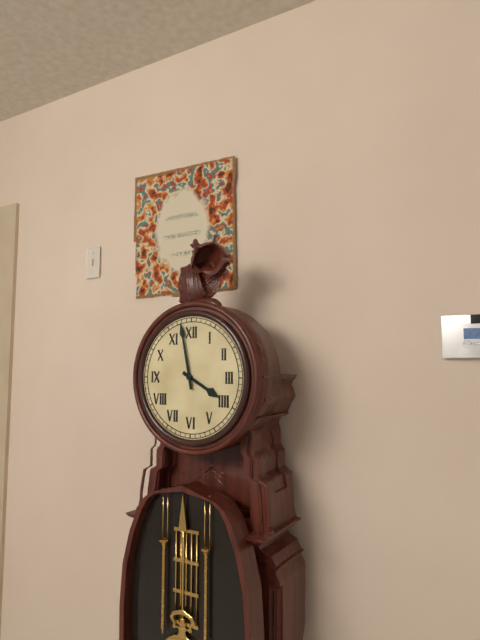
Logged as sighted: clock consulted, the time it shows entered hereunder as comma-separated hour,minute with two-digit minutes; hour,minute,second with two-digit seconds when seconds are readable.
3,58
